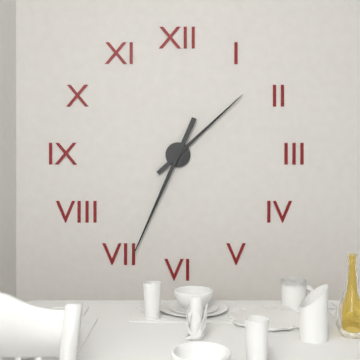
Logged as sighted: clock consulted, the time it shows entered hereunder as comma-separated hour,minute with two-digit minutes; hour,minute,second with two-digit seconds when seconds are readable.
1,34
